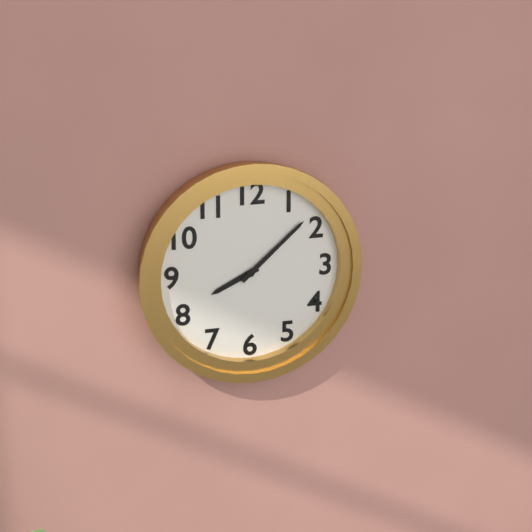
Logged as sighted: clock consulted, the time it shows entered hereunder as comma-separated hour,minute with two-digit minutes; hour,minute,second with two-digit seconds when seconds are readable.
8,08
